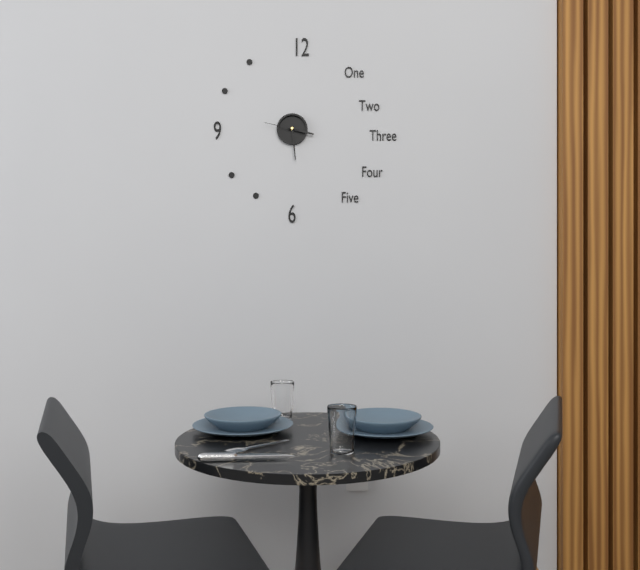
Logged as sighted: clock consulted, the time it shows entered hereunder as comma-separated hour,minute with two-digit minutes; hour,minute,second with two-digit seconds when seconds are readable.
3,29
